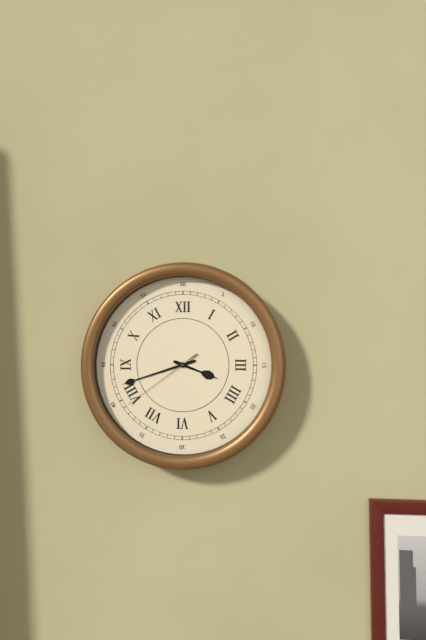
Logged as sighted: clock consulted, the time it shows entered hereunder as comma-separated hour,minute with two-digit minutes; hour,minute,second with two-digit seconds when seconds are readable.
3,42,39
